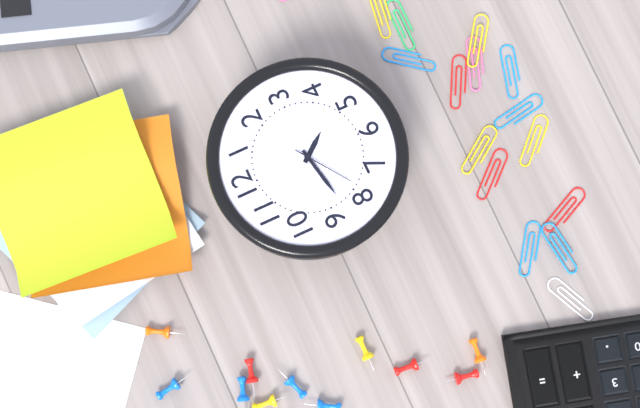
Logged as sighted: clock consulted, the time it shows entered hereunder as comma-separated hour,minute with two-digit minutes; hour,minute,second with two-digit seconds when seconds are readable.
4,43,39
